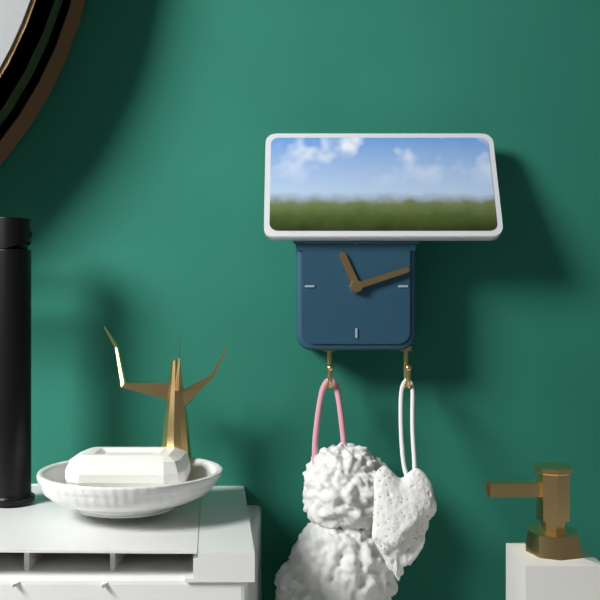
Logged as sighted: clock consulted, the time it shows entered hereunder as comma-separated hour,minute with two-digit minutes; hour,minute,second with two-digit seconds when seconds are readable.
11,12
